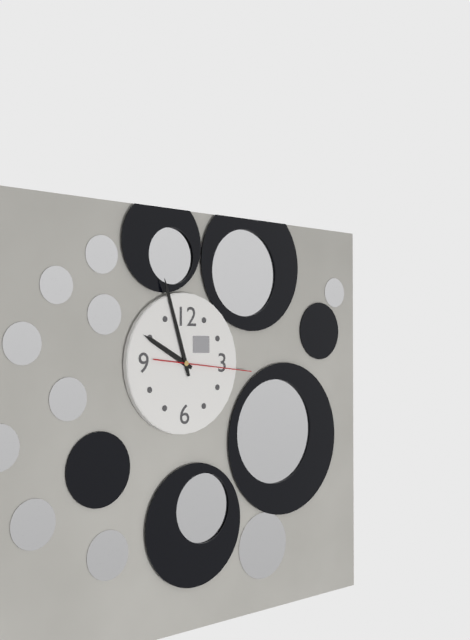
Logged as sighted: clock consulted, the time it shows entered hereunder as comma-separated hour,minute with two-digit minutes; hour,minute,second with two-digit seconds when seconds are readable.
9,57,16
